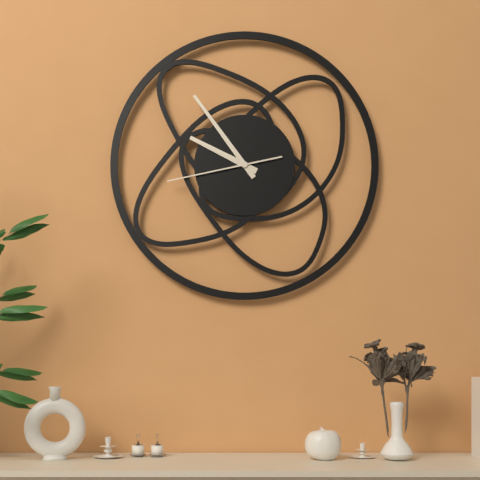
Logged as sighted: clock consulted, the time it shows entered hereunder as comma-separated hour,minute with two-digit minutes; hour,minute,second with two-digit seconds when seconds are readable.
9,54,43
